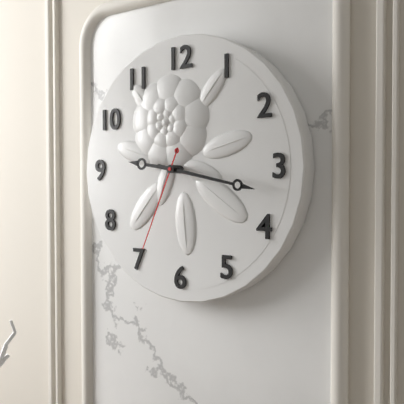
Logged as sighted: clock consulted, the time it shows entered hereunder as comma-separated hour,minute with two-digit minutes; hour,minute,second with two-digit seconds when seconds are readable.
9,17,34
